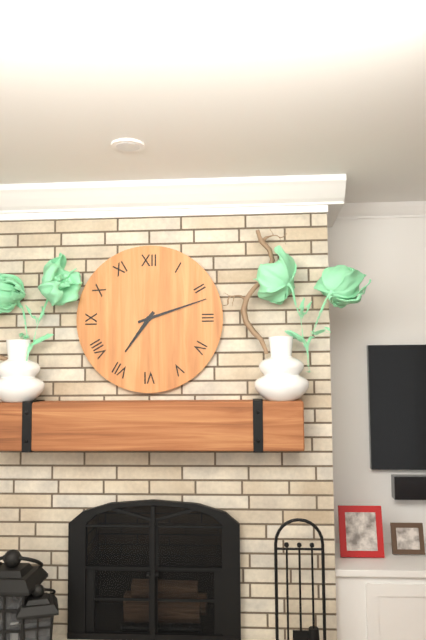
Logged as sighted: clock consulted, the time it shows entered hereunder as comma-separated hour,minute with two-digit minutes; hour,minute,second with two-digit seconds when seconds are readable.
7,12
